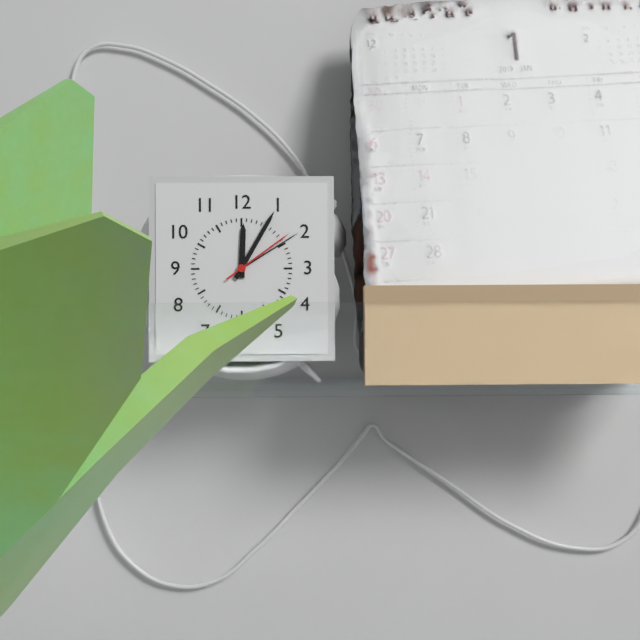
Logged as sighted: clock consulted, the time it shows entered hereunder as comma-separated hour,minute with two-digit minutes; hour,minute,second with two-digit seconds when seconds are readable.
12,05,09
